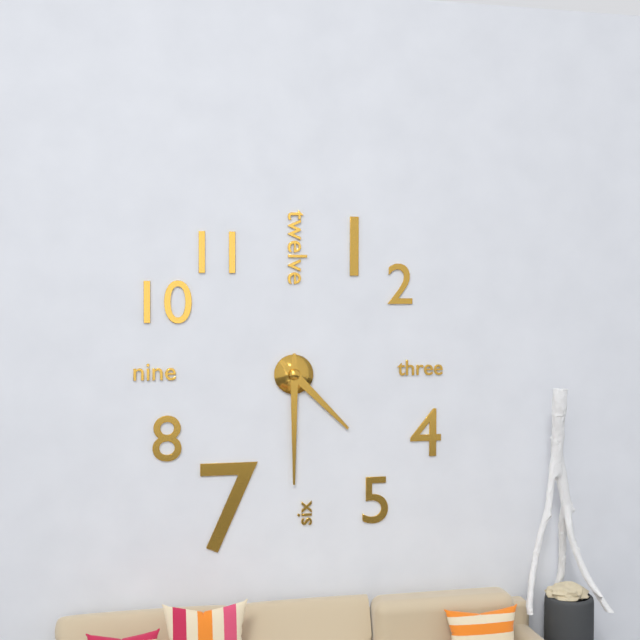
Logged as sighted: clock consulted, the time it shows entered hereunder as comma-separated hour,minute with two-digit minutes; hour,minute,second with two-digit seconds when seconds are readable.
4,30
